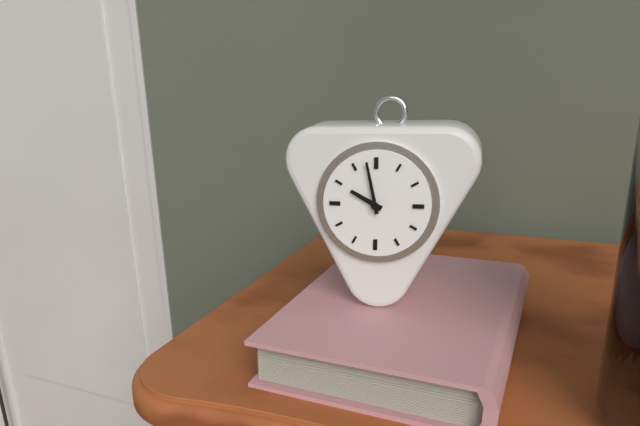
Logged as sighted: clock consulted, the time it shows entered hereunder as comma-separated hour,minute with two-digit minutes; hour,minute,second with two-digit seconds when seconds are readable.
9,58
